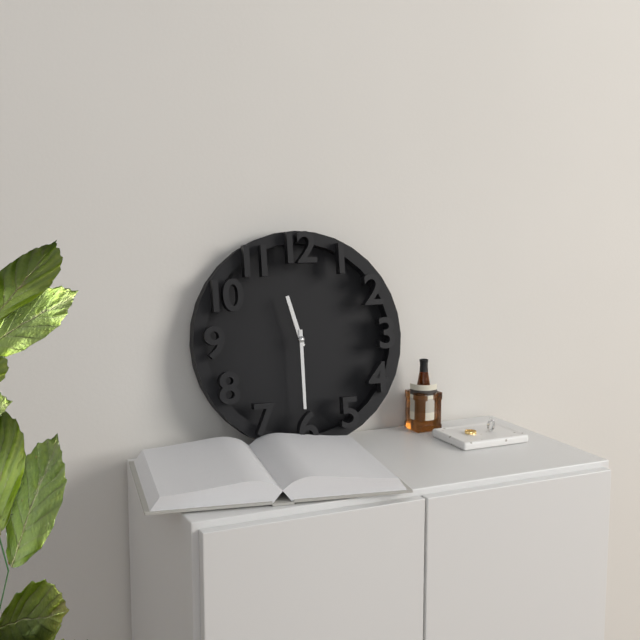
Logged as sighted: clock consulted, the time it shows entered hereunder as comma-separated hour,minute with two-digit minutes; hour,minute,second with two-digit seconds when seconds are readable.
11,30
